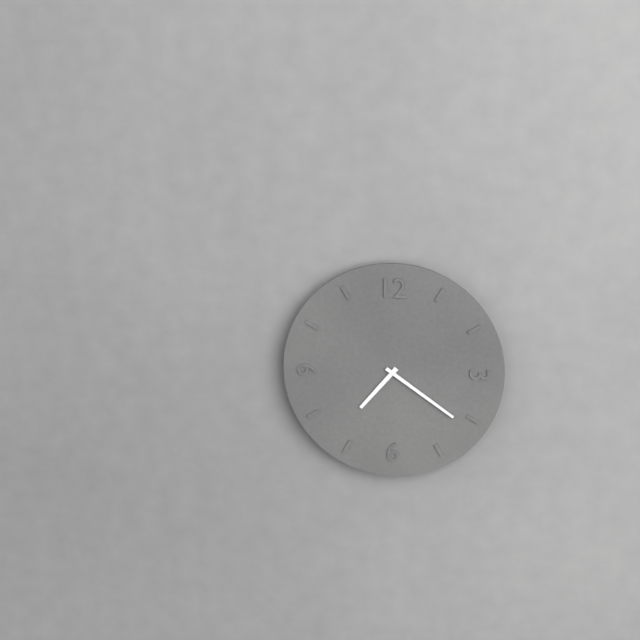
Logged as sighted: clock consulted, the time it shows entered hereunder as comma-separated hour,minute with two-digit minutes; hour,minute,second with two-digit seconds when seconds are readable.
7,21
